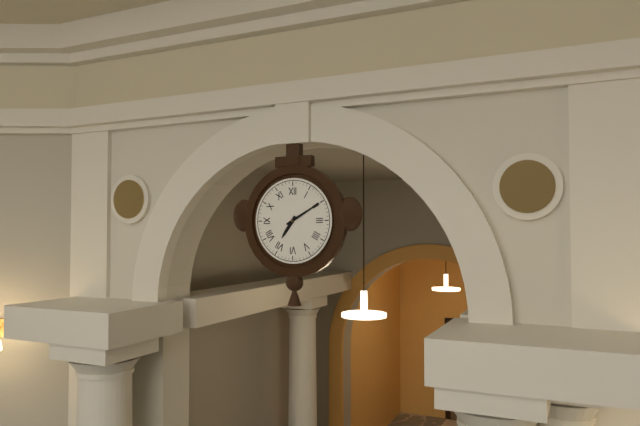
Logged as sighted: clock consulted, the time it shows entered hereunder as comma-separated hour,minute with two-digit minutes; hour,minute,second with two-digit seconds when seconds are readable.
7,10
